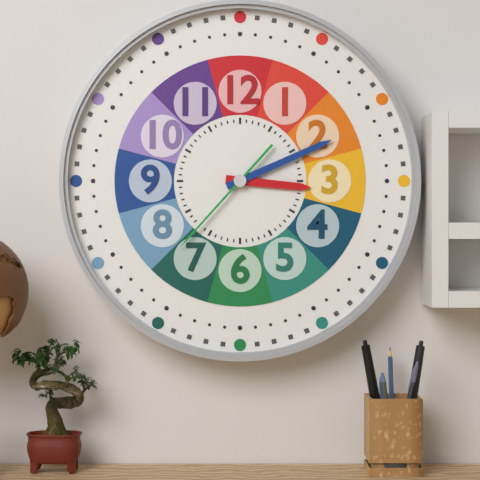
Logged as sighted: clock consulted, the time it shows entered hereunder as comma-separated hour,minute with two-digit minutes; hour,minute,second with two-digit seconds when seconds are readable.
3,11,37
